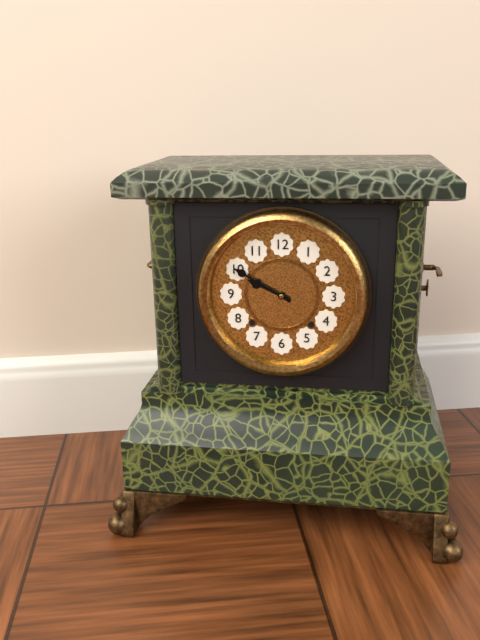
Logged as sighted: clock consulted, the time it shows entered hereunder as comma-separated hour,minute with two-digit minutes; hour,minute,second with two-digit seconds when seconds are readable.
9,50
